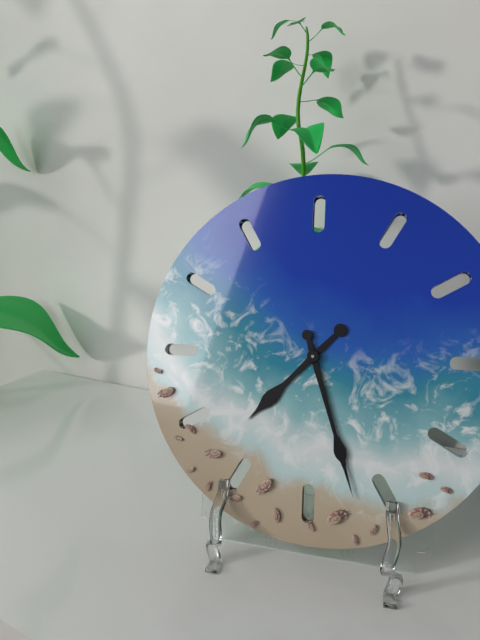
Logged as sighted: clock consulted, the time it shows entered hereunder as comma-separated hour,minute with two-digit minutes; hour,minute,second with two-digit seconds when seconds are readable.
7,27
